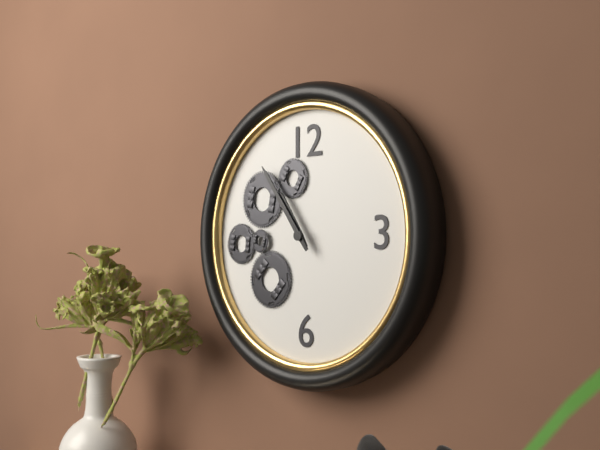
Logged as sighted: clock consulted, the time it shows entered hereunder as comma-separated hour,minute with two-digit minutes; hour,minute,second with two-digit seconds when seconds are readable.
10,54
